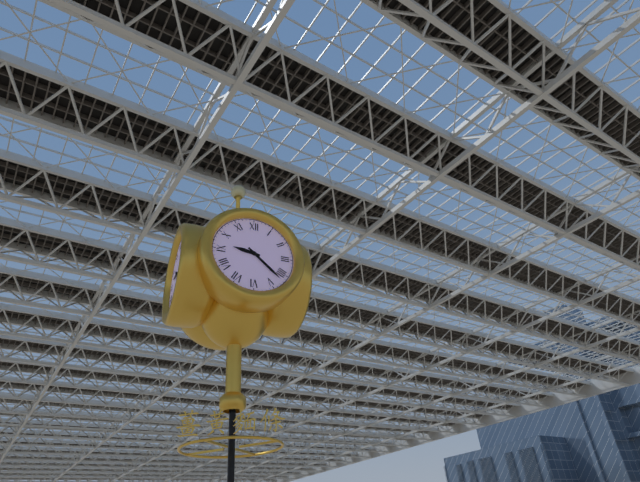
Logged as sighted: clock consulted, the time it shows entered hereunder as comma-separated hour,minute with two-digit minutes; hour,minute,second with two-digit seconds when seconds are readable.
9,22
